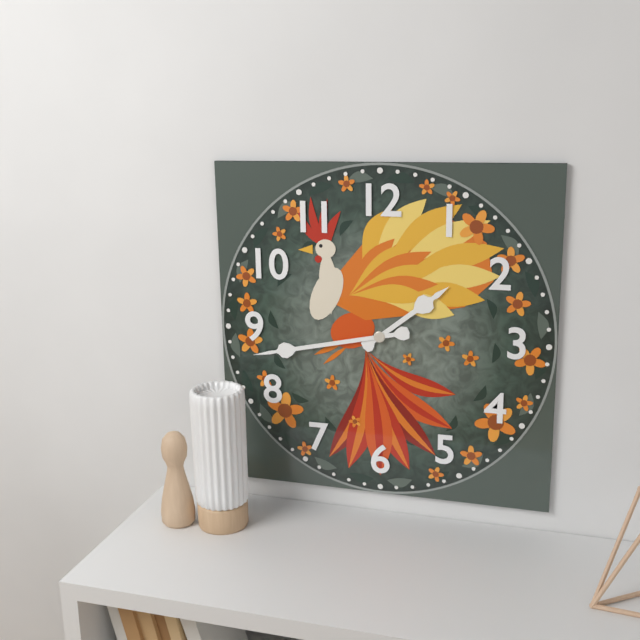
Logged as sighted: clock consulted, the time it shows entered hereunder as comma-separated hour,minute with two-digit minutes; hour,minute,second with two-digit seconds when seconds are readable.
1,43
